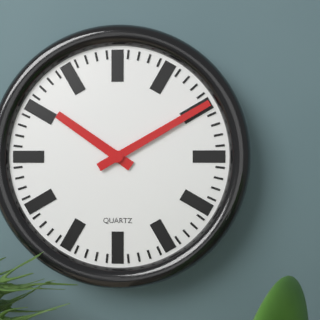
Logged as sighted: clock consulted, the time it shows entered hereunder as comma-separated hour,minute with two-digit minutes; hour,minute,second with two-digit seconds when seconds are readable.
10,10
